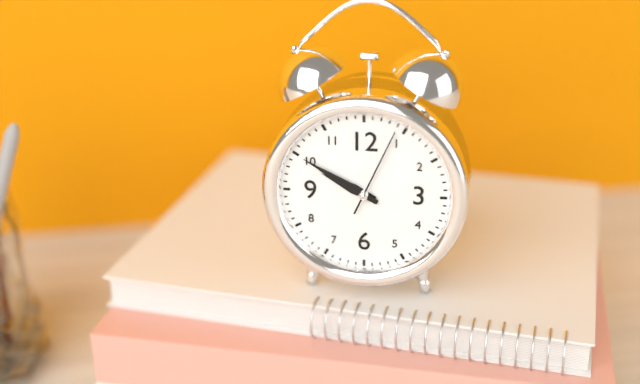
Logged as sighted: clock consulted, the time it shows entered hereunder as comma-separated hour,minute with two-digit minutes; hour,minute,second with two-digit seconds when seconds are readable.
9,50,04
